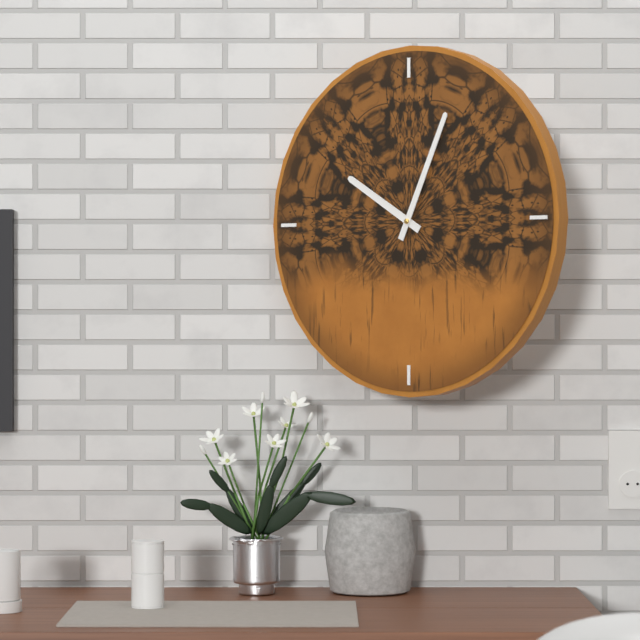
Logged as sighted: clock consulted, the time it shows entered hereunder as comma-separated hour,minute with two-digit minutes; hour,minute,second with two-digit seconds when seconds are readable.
10,04
